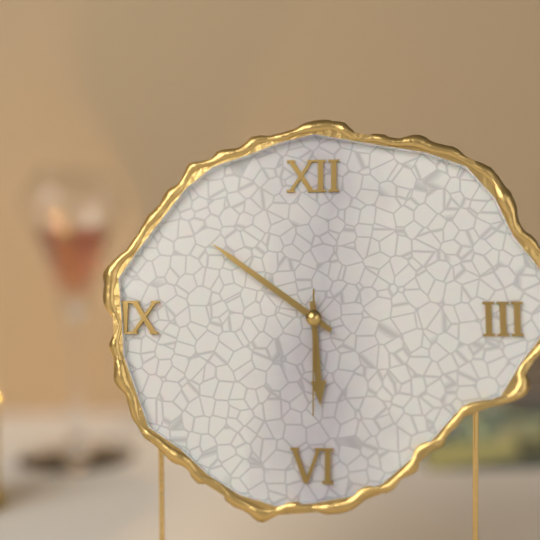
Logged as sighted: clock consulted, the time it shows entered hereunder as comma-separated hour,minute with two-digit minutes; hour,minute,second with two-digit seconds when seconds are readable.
5,51,30
